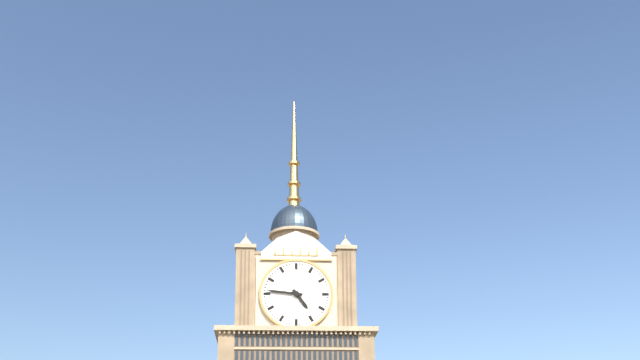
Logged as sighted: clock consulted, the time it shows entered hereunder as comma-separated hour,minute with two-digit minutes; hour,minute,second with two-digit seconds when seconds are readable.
4,46
